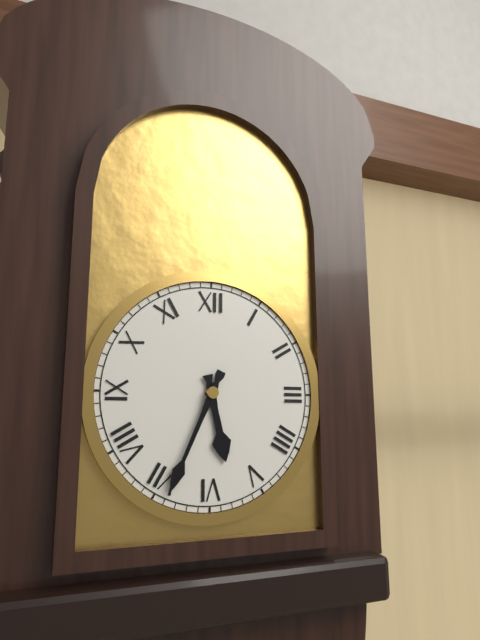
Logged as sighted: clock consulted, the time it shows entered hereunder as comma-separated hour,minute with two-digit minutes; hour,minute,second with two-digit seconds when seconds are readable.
5,34
